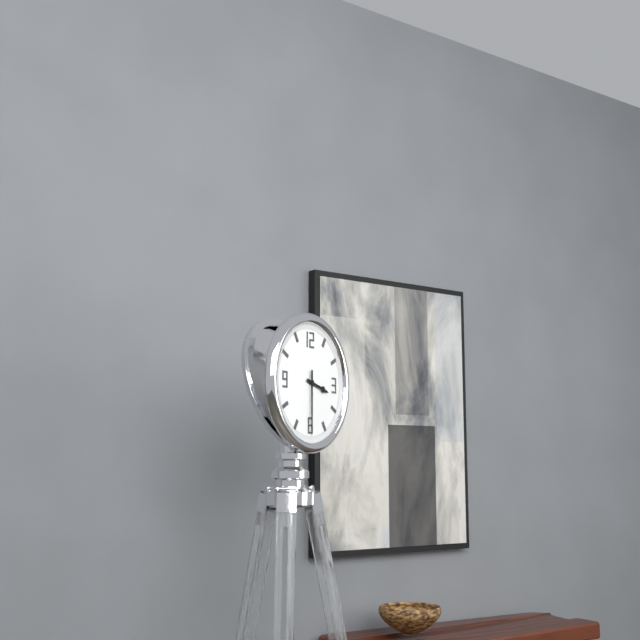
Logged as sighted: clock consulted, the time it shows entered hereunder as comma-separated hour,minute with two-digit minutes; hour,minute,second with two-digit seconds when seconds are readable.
3,30
